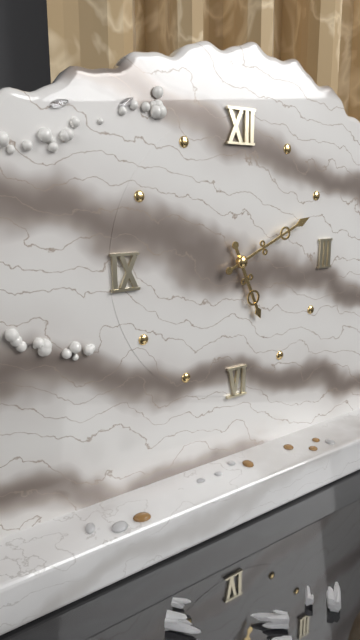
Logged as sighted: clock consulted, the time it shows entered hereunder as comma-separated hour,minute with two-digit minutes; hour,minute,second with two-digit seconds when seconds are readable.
5,11
